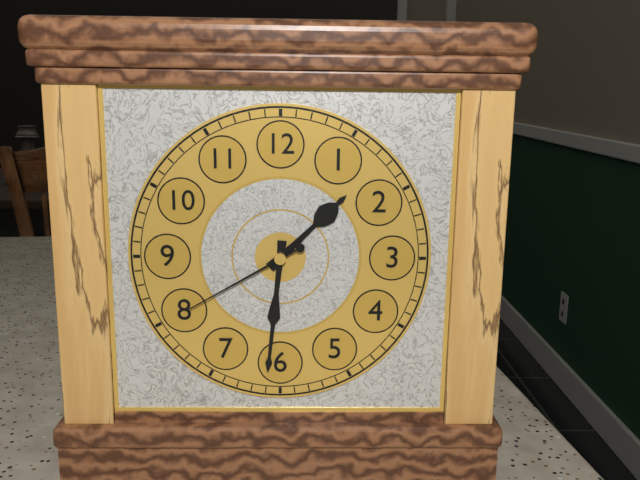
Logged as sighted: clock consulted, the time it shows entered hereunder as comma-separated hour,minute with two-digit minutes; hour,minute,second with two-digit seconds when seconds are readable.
1,31,40
